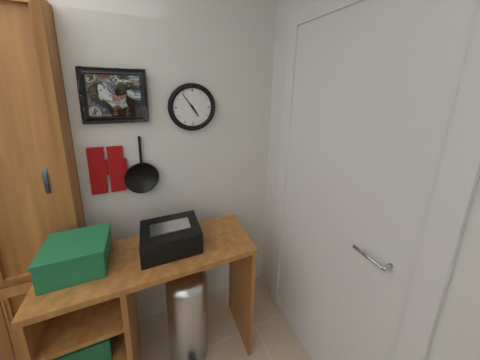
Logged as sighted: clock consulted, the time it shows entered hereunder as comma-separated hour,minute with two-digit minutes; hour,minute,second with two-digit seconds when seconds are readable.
4,54
